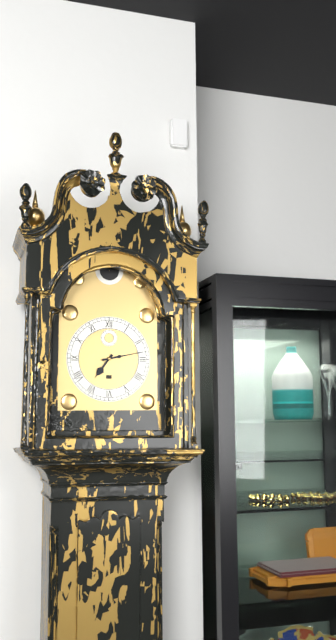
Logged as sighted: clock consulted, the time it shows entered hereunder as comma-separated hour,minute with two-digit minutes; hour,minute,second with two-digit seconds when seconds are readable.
7,13
